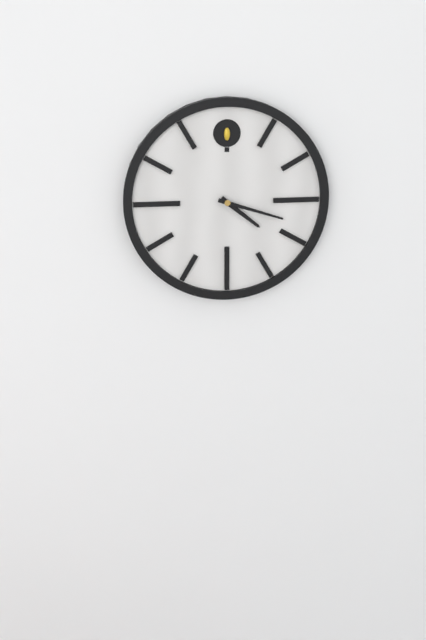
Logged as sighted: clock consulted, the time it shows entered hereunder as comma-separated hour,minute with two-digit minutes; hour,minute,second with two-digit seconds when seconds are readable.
4,18
